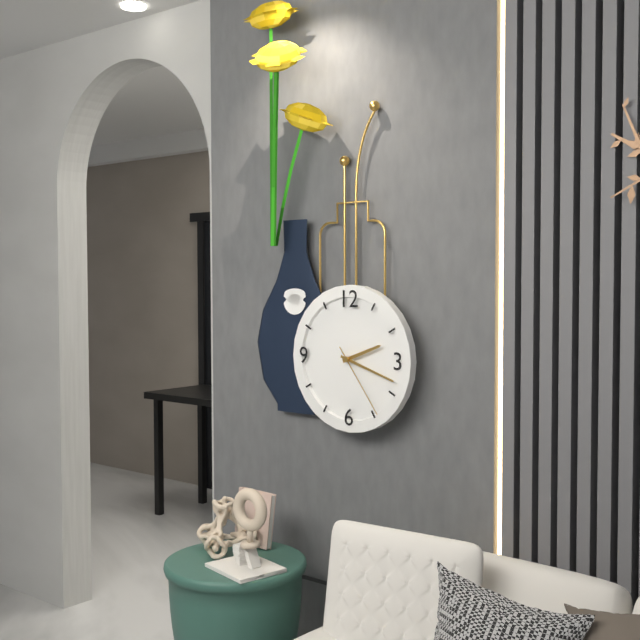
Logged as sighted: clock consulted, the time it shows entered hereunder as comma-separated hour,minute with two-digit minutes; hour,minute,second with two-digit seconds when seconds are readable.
2,18,24
